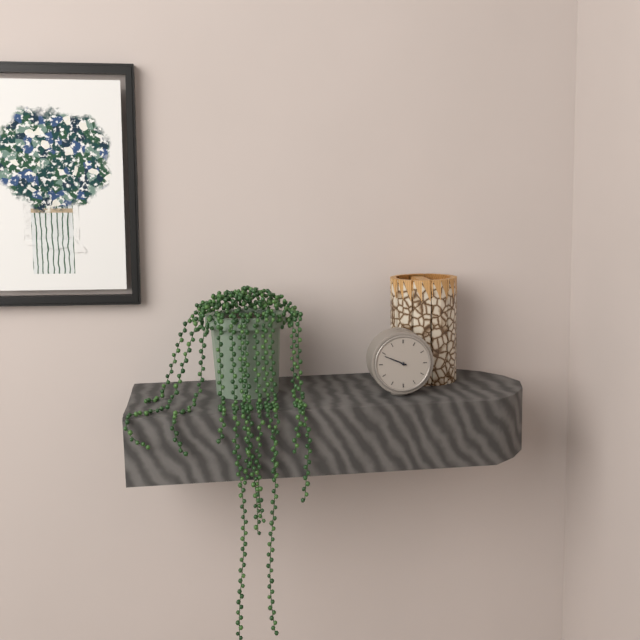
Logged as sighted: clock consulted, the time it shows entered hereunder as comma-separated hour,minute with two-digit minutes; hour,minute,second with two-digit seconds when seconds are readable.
9,49
